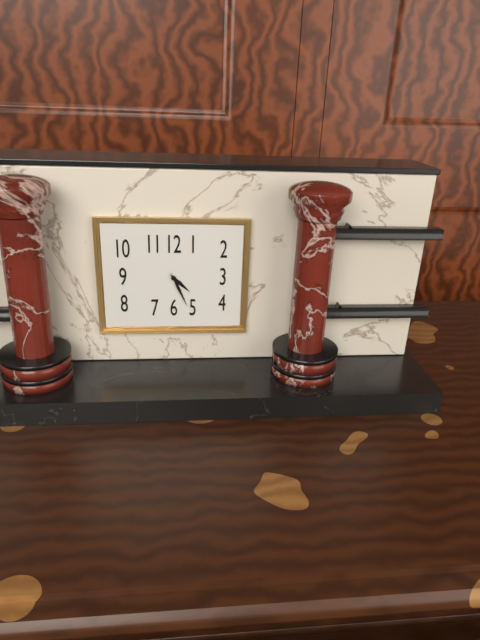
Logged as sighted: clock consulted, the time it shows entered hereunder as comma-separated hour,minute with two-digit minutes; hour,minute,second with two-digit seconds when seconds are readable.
4,26
